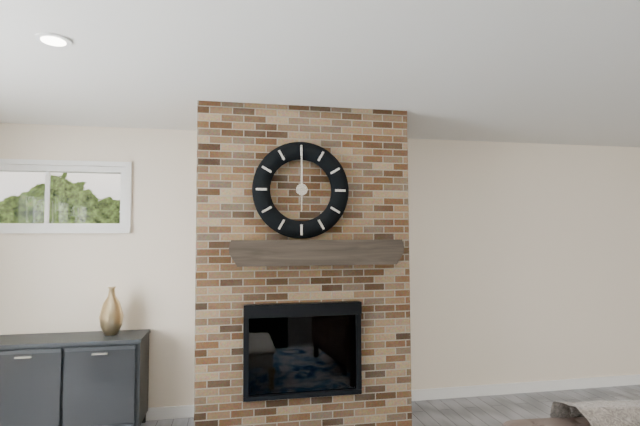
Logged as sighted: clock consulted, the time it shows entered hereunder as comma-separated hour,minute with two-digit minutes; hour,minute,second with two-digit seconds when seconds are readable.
12,00
